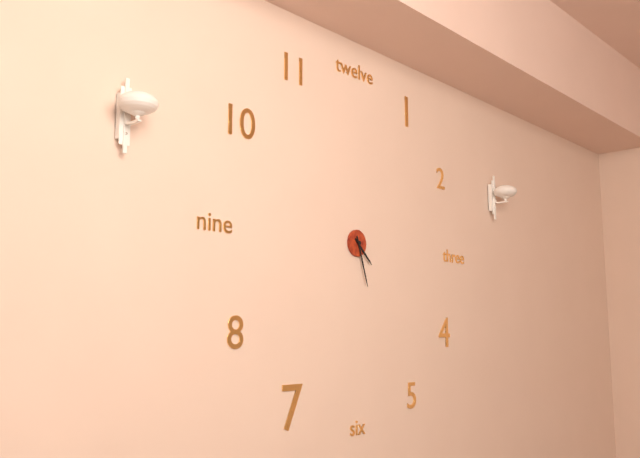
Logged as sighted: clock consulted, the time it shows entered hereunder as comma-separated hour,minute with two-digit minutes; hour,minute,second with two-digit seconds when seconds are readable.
4,27
